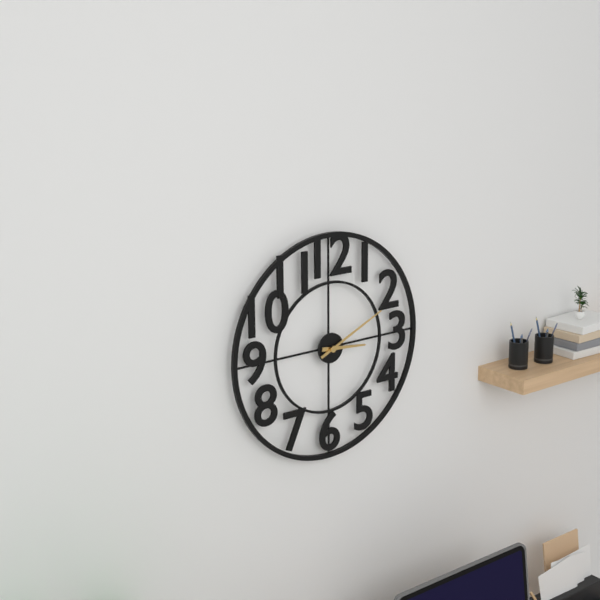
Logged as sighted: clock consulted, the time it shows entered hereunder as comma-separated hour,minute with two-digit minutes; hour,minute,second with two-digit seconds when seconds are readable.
3,11
